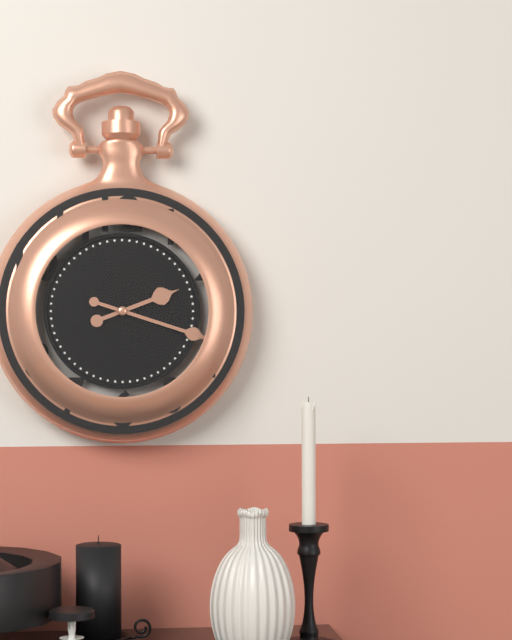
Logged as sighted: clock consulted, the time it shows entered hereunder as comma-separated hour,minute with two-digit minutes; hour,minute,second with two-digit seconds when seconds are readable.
2,18
